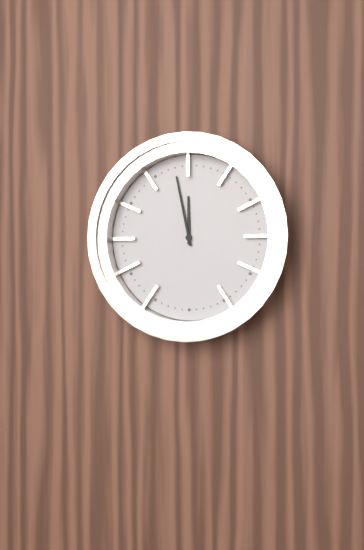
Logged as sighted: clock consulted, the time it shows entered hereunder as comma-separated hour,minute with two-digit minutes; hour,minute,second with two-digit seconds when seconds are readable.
11,58
